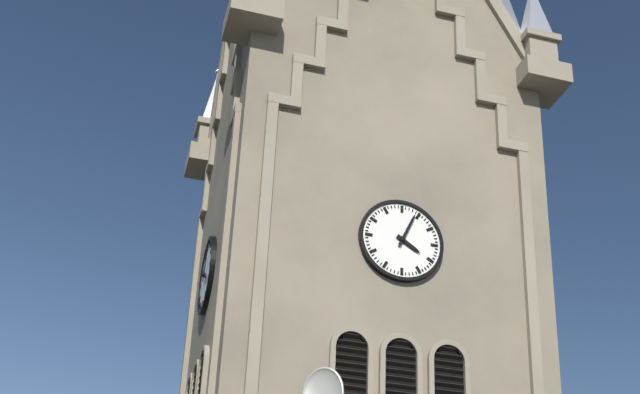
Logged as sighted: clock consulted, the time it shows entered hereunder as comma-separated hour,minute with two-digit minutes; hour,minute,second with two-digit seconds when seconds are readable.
4,04
